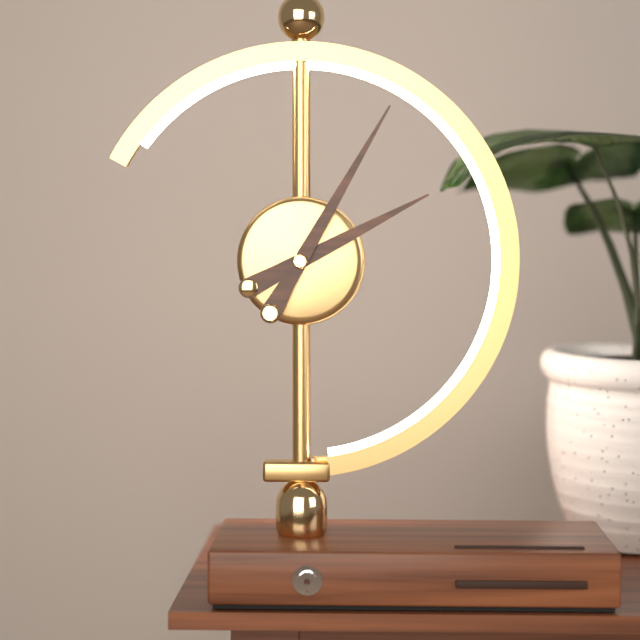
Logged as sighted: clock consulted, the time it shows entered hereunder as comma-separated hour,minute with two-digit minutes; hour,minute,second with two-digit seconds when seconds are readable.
2,05
